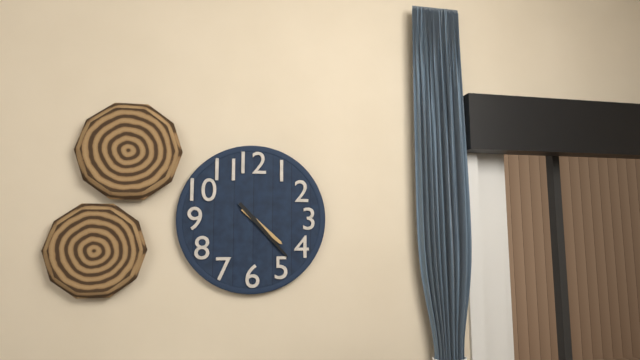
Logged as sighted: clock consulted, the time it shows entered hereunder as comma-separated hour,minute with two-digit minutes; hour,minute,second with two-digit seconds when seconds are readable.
4,23
